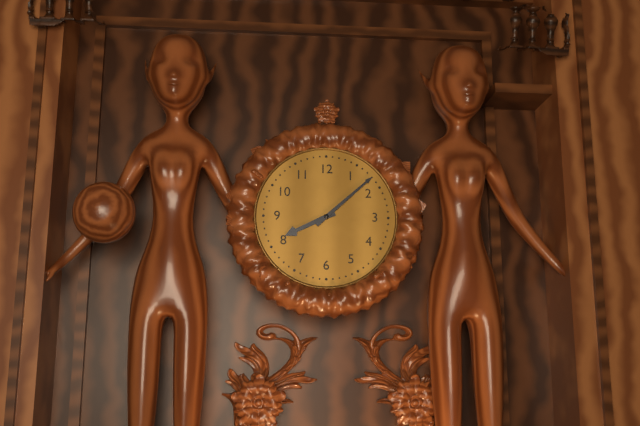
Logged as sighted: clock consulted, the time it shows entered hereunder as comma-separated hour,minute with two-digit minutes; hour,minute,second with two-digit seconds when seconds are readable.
8,08
